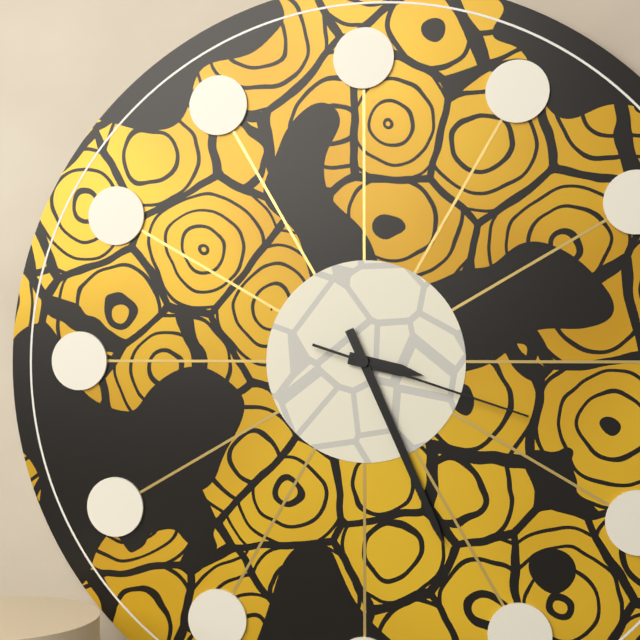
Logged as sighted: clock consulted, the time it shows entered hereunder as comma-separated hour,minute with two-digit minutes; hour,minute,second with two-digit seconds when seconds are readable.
3,26,18
